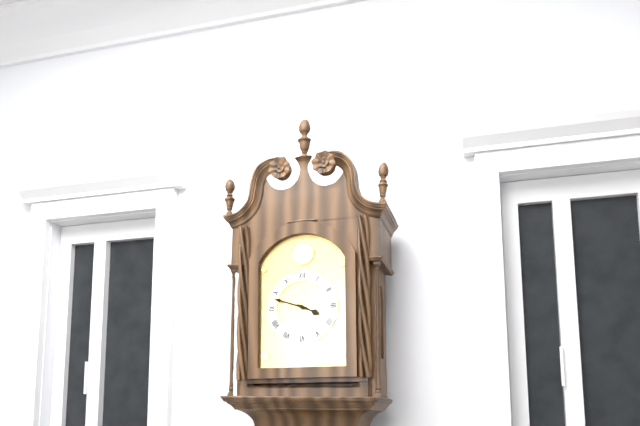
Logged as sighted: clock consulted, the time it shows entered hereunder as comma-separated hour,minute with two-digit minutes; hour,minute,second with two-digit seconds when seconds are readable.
3,48
